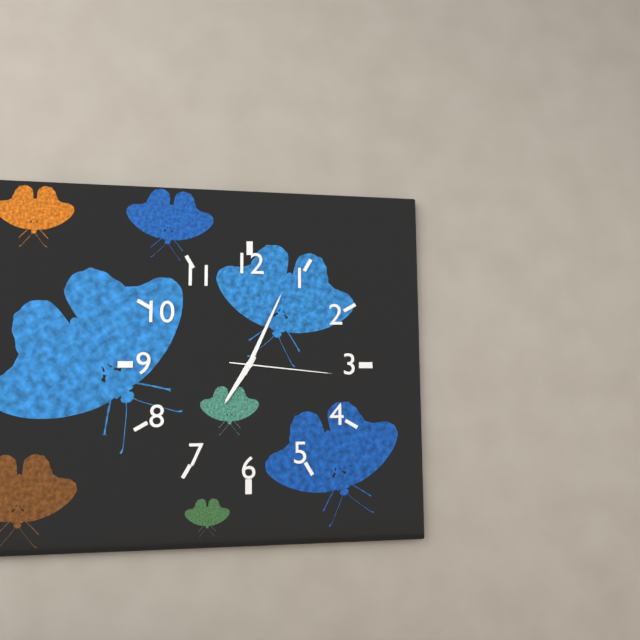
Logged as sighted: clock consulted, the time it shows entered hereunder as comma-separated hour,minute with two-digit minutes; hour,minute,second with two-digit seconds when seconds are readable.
7,04,16
